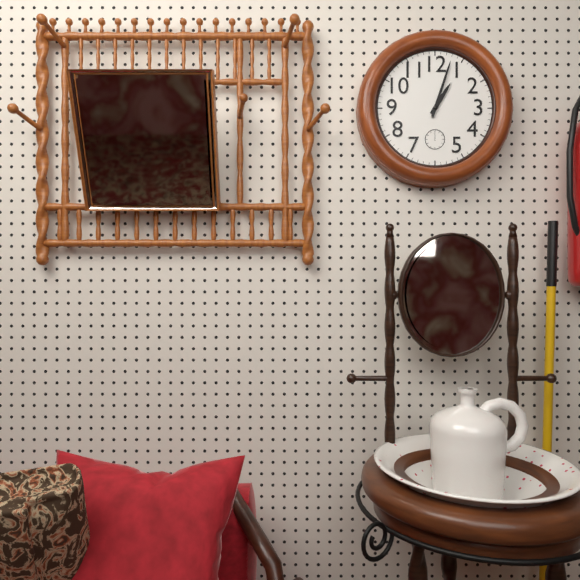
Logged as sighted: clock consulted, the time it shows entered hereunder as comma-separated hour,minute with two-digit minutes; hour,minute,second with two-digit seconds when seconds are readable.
1,03
